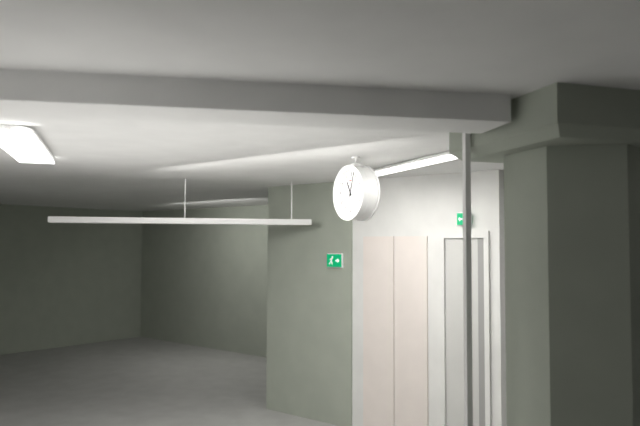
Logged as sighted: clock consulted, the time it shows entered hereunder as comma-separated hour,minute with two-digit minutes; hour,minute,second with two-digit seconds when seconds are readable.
11,03
